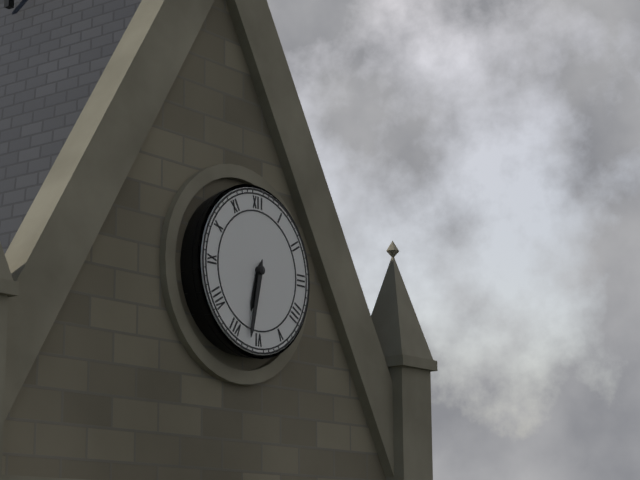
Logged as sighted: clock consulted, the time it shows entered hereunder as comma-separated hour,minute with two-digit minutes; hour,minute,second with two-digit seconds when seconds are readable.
6,32
